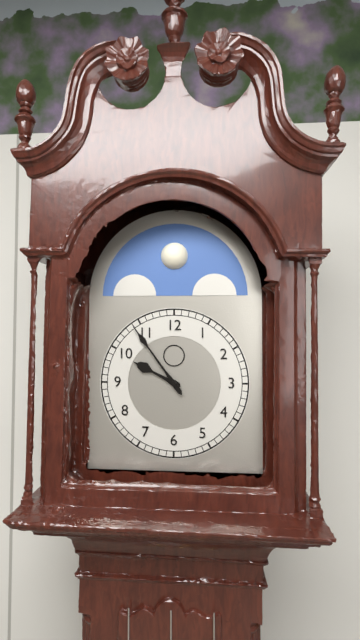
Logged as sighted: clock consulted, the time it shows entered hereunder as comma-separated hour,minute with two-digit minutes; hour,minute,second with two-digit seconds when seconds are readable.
9,54
